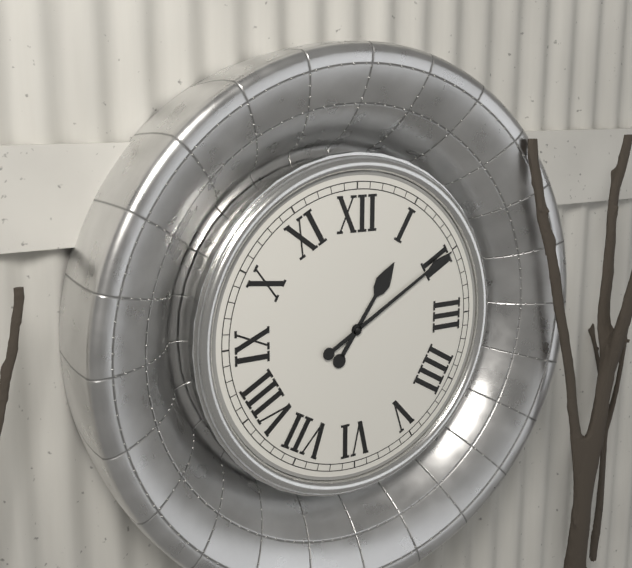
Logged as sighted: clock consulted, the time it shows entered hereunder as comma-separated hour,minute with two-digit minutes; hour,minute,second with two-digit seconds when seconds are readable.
1,10
